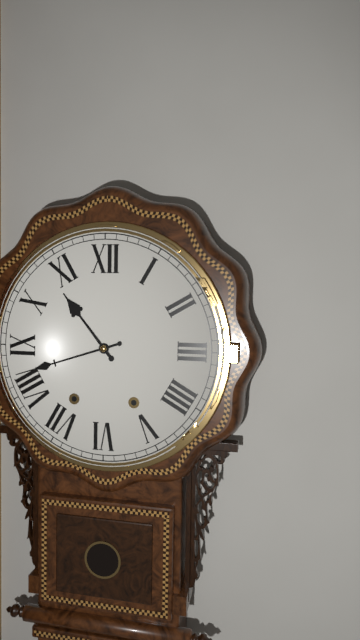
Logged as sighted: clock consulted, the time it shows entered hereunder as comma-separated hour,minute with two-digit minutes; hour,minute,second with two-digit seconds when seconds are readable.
10,42
